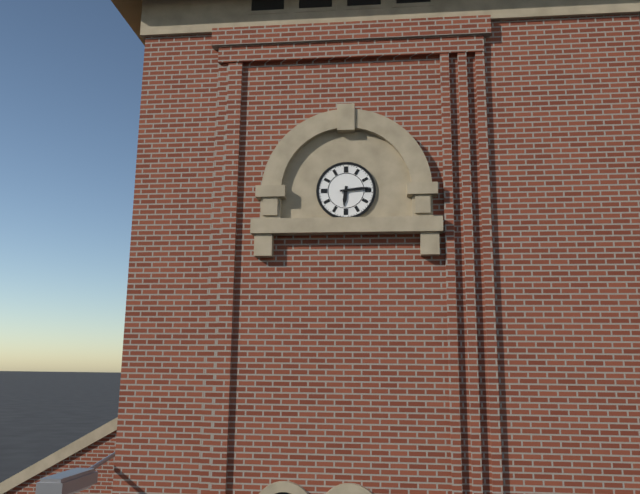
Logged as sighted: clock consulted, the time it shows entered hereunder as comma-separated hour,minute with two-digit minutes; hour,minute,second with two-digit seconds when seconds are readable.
6,14
